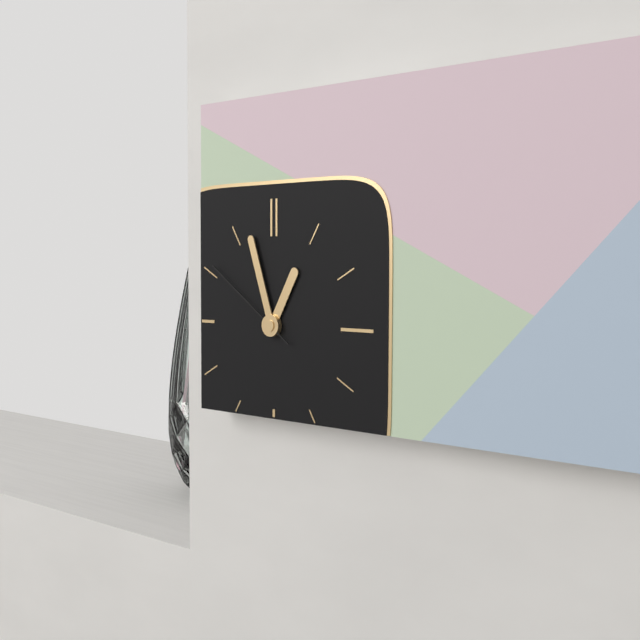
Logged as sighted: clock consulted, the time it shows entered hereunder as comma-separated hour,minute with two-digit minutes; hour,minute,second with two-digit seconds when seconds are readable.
12,57,51
